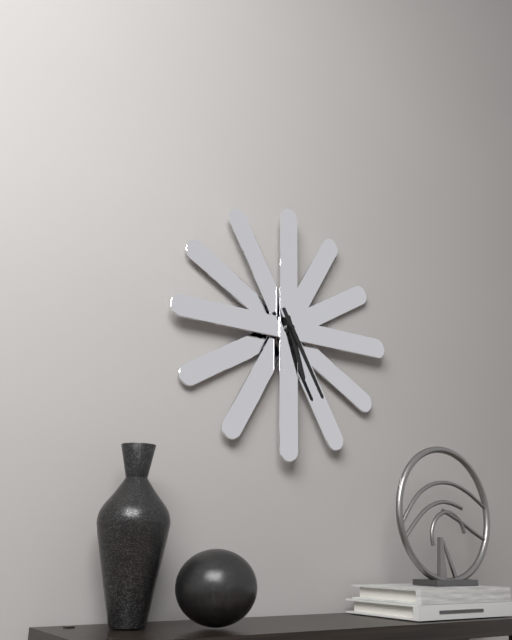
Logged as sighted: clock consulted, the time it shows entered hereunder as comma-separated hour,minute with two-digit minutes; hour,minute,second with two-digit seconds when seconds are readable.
5,25
